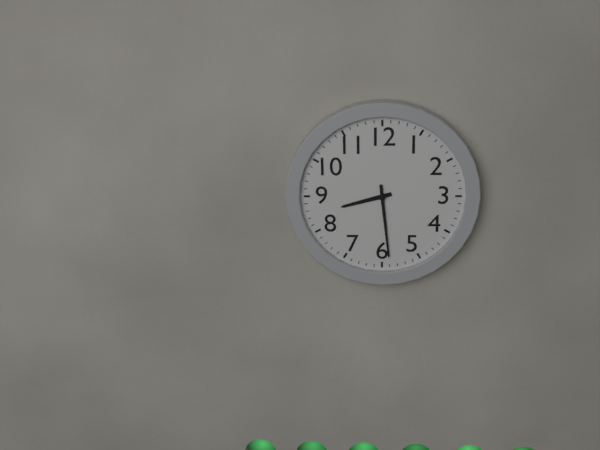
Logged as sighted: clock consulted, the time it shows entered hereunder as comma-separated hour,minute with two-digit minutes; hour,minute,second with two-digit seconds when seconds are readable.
8,29
